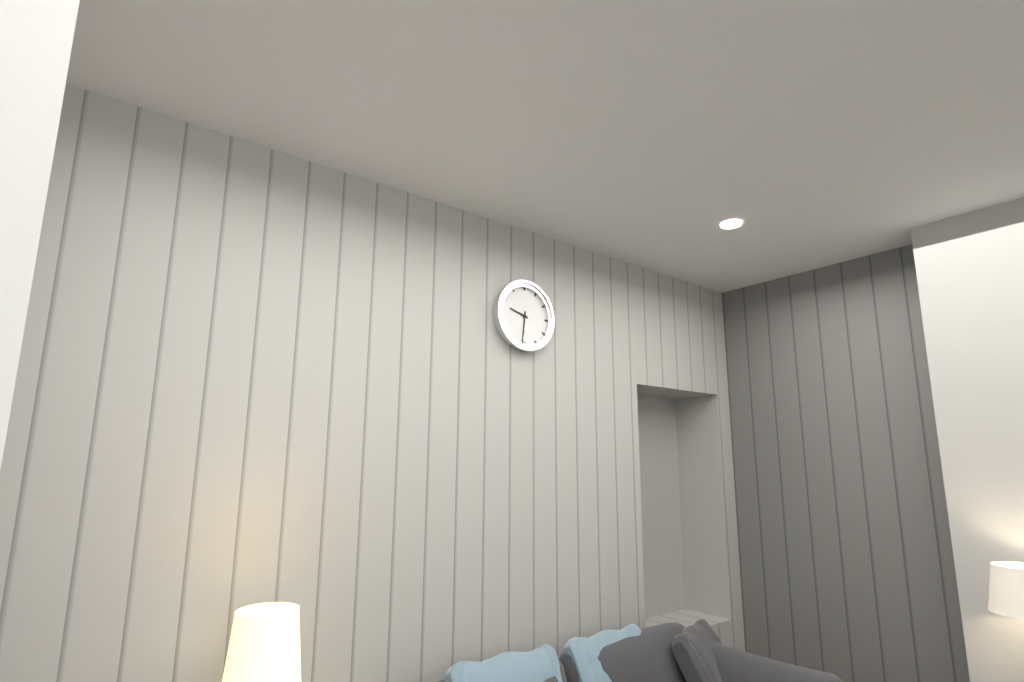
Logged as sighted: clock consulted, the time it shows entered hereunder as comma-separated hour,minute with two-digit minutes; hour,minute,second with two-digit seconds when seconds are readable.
9,31
